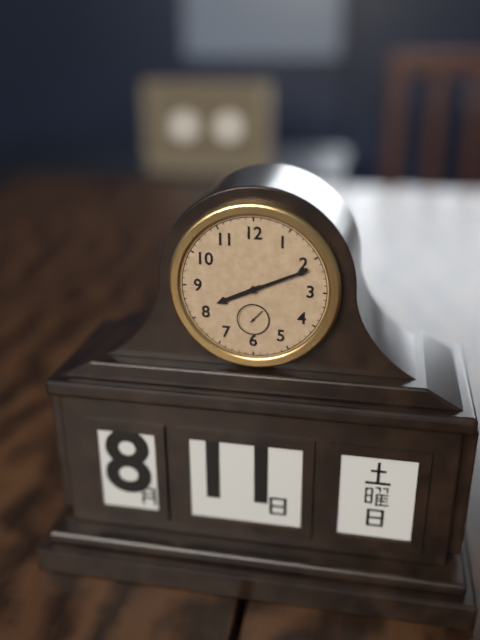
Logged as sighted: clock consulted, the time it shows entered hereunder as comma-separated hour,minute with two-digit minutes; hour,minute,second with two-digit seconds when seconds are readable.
8,11
